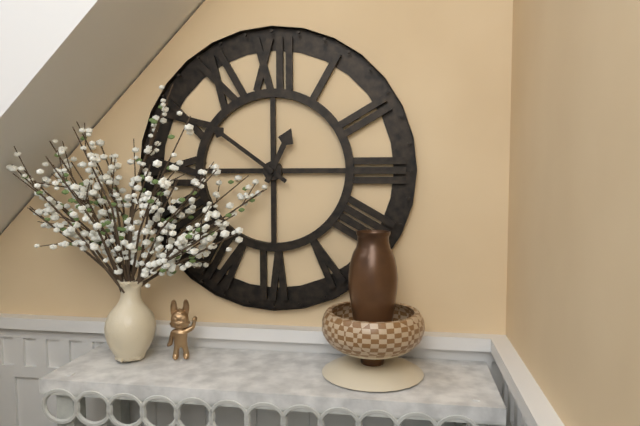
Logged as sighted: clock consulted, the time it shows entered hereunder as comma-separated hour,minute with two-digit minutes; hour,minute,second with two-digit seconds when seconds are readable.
12,51
